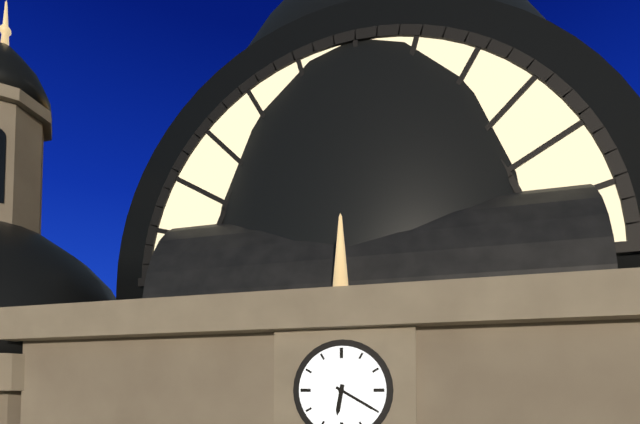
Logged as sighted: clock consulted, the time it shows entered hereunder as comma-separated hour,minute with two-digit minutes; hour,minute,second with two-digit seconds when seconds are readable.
6,20
